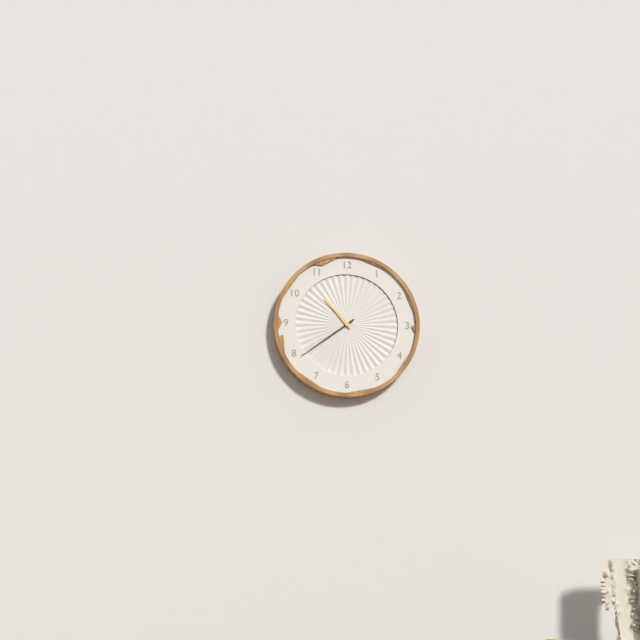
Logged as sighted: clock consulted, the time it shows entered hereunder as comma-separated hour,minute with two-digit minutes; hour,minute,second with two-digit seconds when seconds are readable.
10,39
